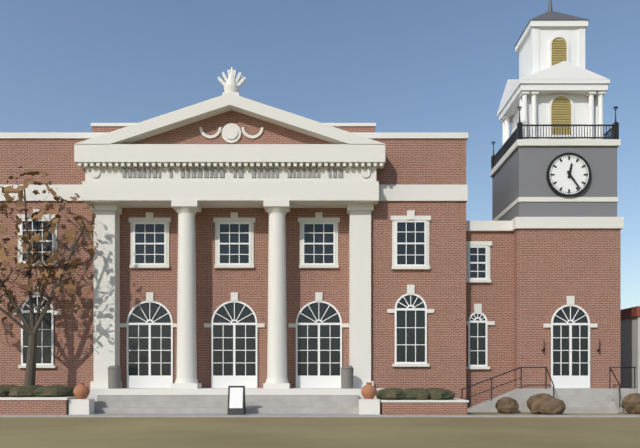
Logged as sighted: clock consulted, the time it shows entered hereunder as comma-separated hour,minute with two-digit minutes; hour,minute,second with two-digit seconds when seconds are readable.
12,24
